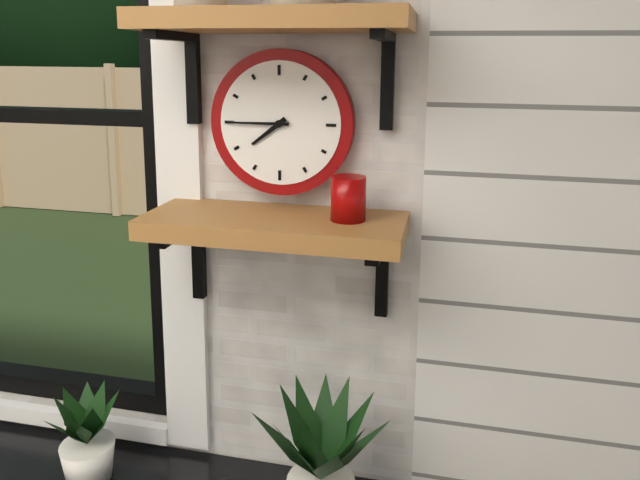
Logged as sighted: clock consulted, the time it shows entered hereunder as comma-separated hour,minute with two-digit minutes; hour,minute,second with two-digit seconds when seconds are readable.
7,45
